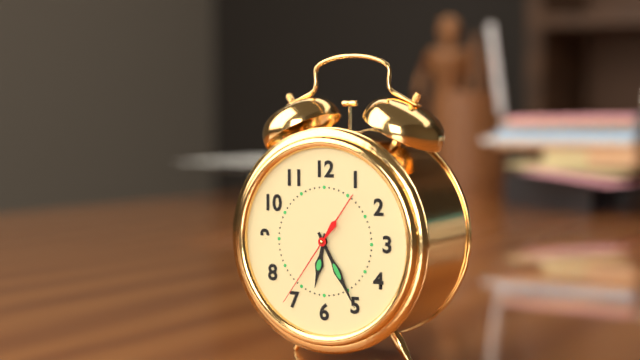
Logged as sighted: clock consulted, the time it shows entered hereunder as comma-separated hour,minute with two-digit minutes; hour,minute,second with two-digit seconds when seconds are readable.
6,25,36
